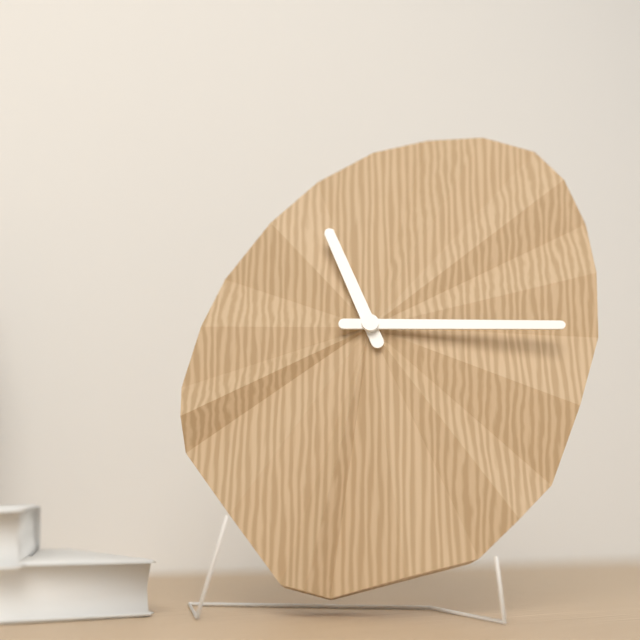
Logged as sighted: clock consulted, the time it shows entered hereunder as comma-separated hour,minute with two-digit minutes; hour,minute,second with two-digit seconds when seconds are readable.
11,15
